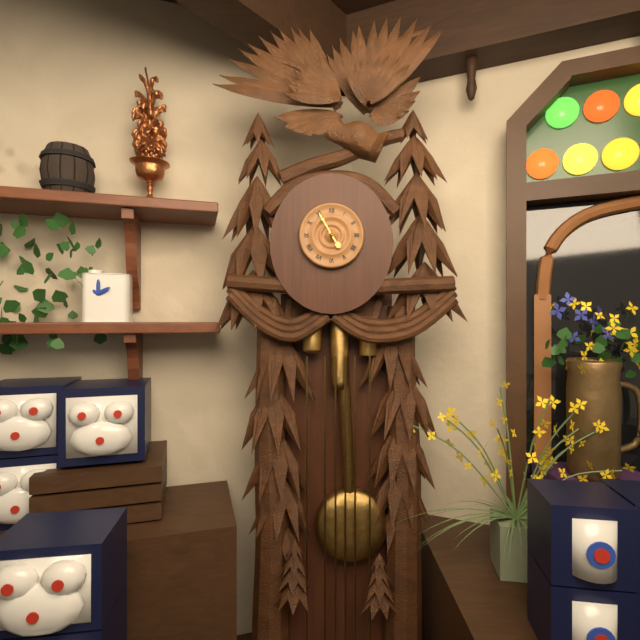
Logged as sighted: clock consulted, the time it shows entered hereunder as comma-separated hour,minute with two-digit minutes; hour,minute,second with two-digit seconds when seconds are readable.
4,55
